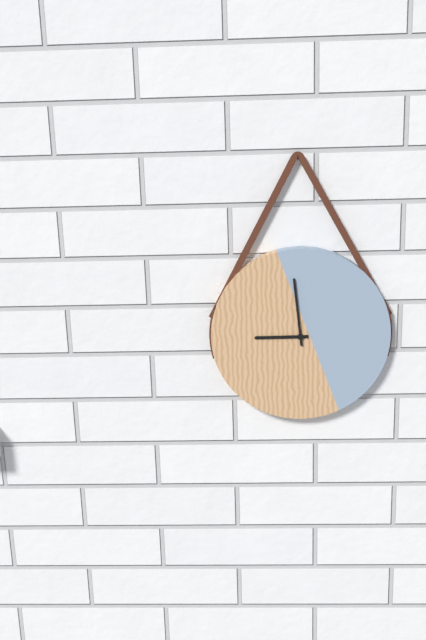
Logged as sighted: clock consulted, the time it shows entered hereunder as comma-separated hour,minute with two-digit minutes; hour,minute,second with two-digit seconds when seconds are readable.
8,59
